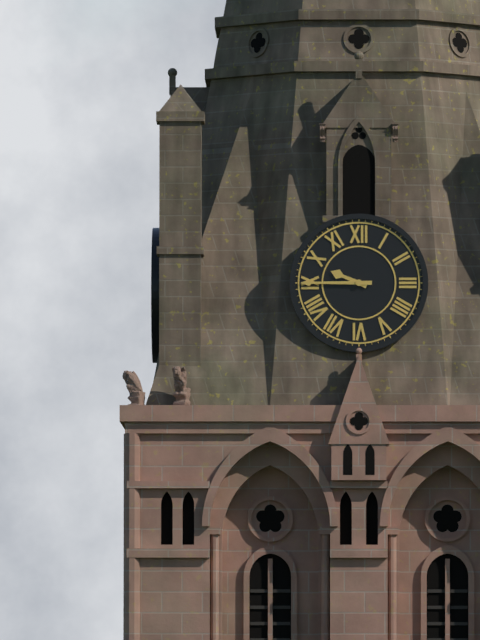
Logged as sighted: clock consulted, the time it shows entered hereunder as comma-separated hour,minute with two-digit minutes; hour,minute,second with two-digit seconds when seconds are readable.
9,45
